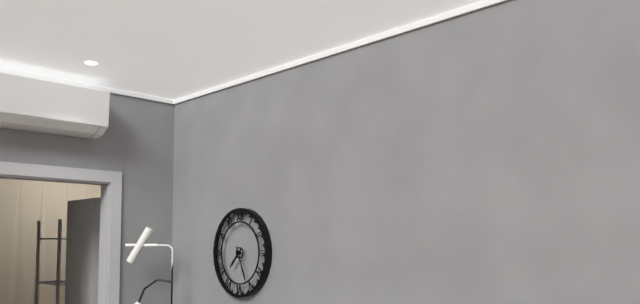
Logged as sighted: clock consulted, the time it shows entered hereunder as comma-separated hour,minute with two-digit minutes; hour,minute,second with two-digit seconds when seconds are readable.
7,26
